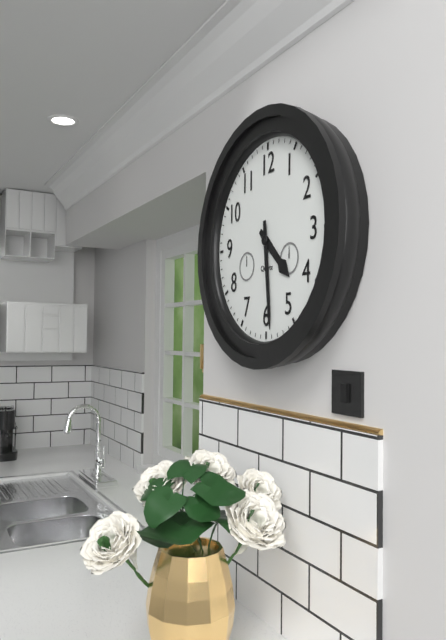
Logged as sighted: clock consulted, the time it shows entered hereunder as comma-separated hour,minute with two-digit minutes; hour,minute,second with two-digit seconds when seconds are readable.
4,29
